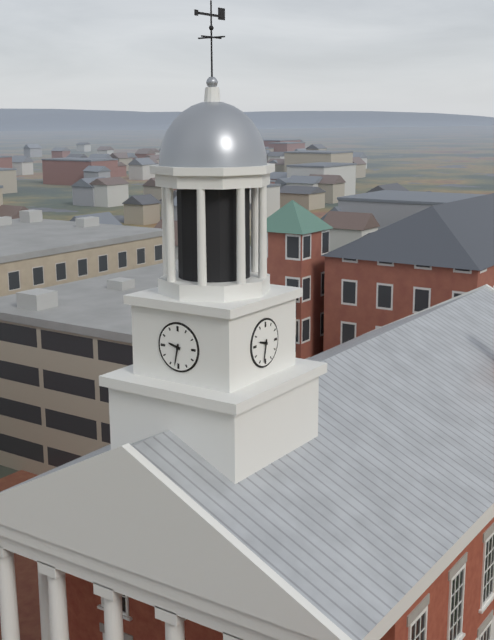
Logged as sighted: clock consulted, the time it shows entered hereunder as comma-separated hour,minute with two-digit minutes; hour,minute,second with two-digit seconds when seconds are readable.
9,32
